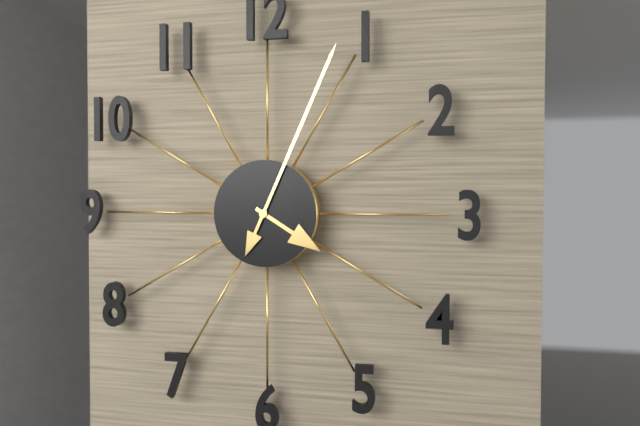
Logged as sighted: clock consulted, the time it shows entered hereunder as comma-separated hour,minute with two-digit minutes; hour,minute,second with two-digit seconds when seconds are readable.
4,04
